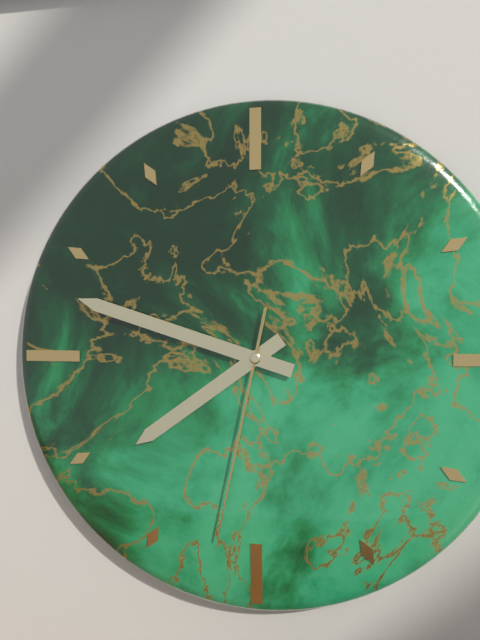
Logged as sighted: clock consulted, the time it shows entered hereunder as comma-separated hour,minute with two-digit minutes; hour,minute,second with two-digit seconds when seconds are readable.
7,48,32
